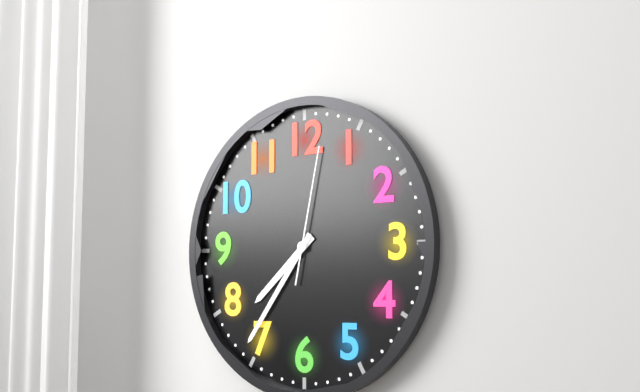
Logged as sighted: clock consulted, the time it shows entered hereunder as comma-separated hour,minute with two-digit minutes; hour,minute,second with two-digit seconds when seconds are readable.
7,36,02
